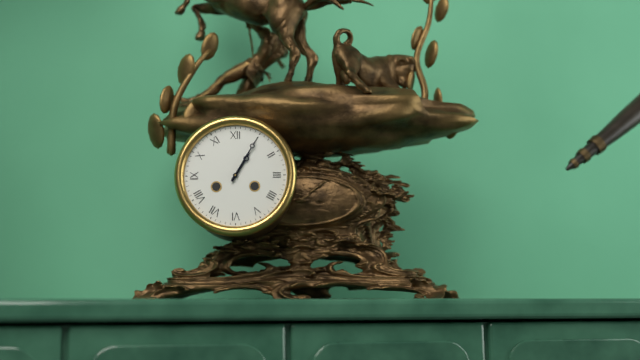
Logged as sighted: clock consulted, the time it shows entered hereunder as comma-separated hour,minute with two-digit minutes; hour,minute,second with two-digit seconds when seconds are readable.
1,05
